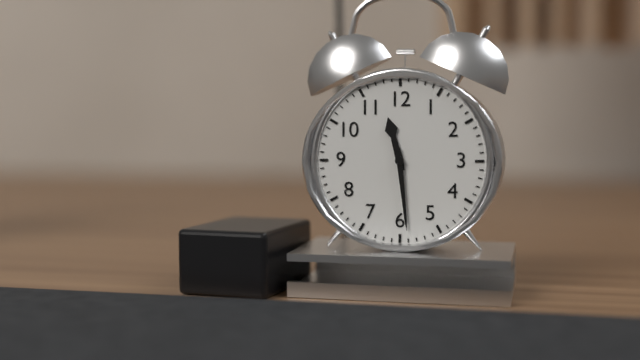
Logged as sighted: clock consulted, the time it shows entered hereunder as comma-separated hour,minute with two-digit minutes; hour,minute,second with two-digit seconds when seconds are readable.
11,29
